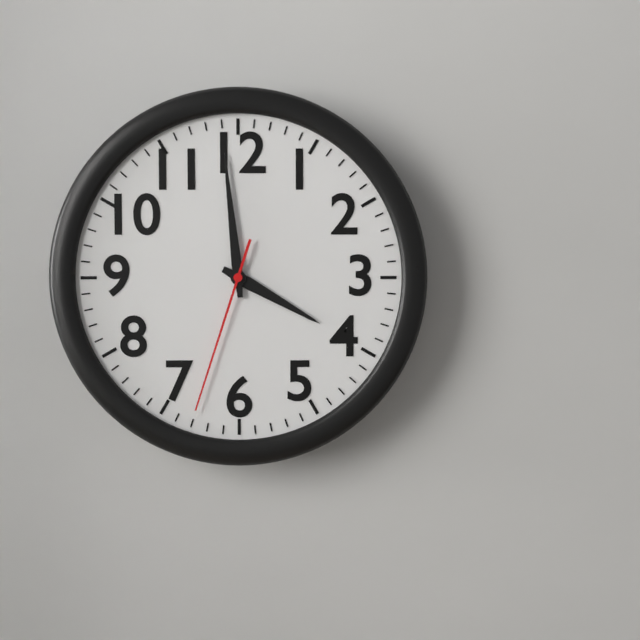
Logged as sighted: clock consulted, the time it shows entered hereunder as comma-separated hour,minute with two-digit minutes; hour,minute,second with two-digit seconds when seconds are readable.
3,59,33
